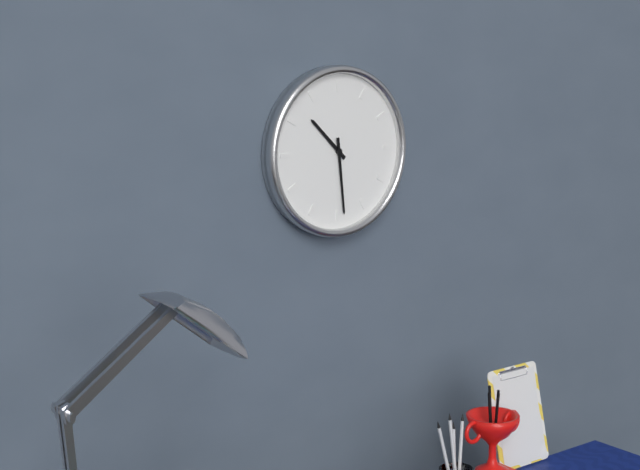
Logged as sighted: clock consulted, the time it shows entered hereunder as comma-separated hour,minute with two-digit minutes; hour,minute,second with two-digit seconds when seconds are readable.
10,29
